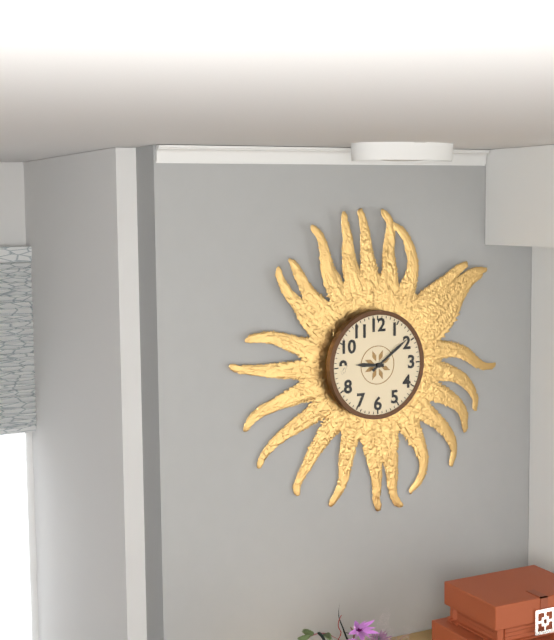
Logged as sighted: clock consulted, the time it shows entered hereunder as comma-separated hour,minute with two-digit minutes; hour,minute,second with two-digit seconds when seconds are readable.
9,09
